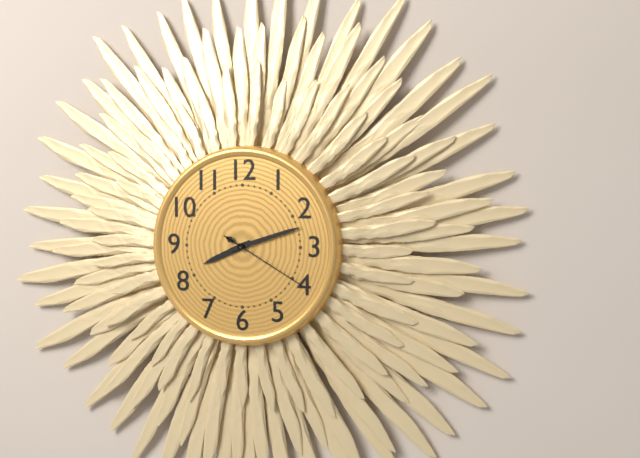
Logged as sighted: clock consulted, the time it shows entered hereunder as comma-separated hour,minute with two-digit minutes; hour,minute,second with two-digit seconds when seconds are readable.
8,12,20
